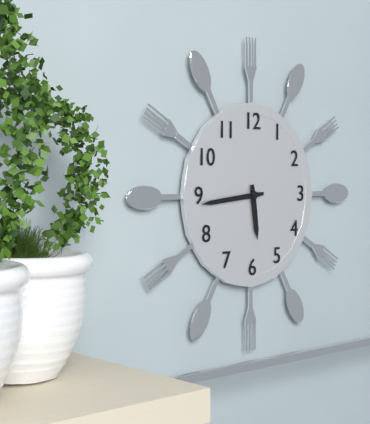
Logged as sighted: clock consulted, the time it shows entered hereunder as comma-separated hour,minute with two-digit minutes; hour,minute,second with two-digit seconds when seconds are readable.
5,44
